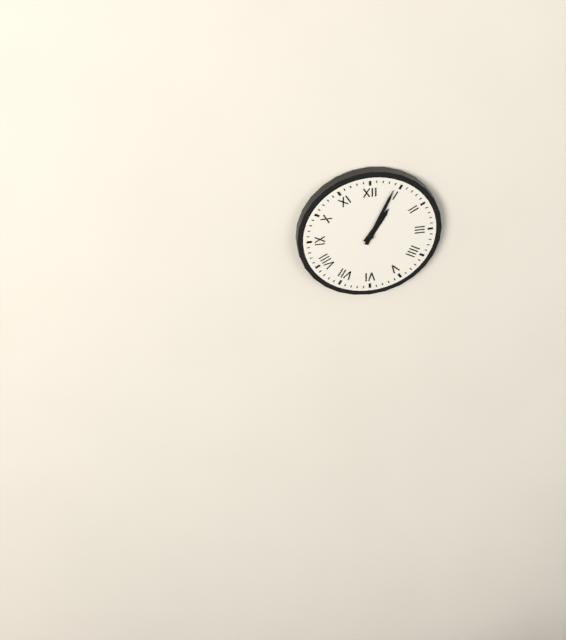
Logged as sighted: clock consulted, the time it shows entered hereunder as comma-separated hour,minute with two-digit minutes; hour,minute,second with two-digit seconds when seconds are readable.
1,04
